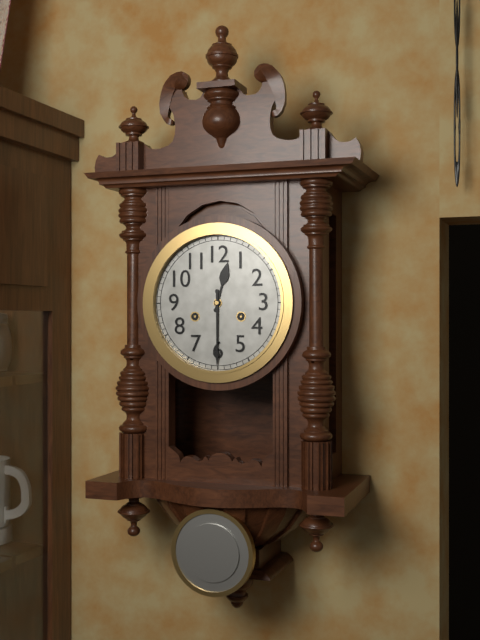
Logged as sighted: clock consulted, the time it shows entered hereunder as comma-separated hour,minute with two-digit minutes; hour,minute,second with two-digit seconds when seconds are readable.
12,30
